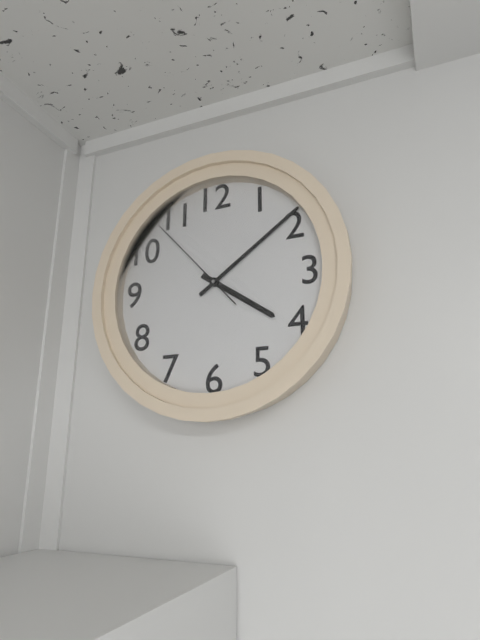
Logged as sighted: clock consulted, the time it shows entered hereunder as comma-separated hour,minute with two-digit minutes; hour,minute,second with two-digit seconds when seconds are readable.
4,09,53
